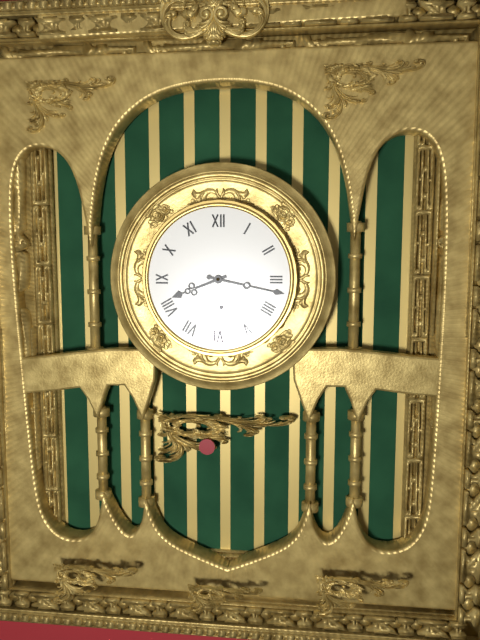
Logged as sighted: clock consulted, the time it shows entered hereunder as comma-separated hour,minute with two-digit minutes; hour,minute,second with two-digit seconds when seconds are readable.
8,17
